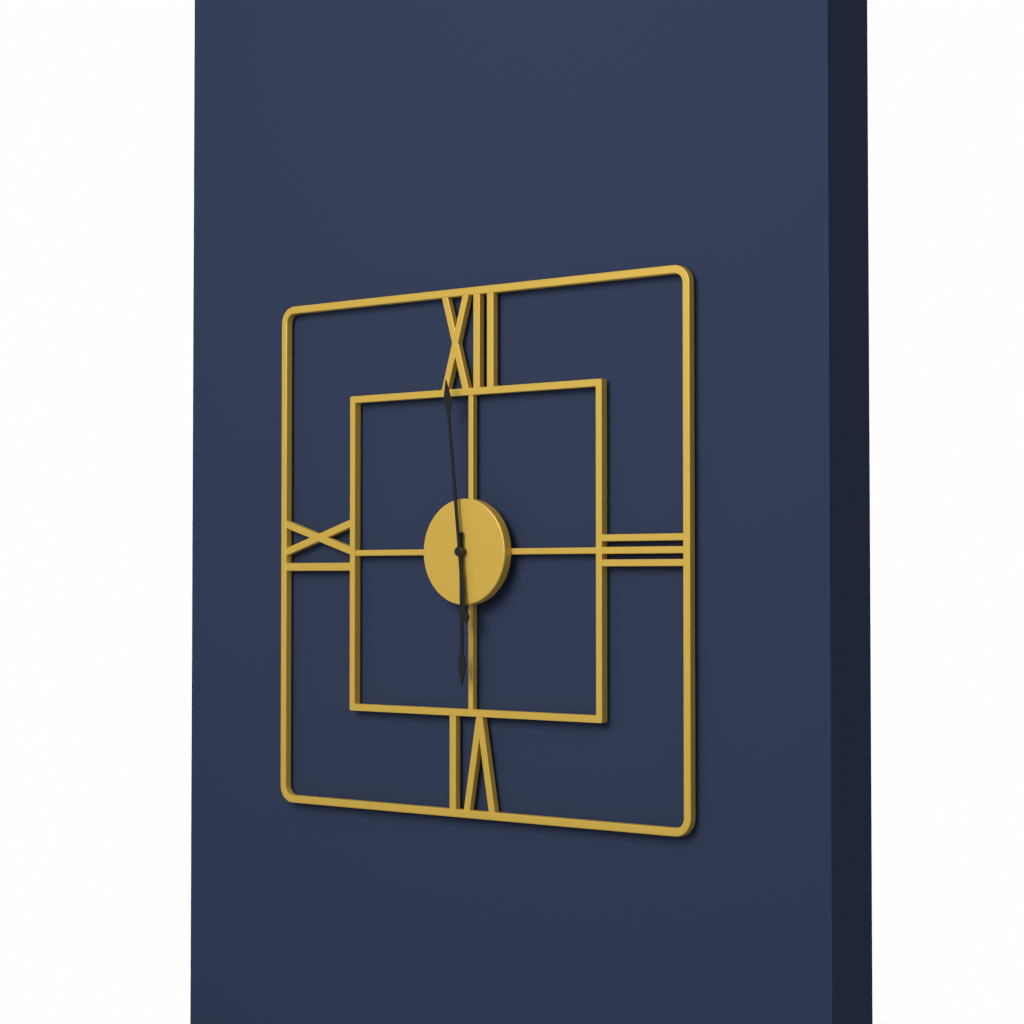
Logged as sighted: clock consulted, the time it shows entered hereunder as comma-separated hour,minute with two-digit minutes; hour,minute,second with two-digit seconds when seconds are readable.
5,59
